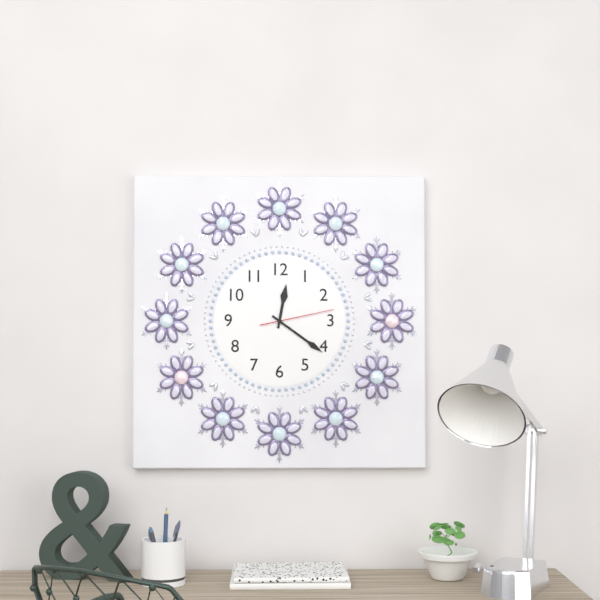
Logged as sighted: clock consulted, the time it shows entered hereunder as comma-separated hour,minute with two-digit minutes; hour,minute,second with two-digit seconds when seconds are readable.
12,21,13
